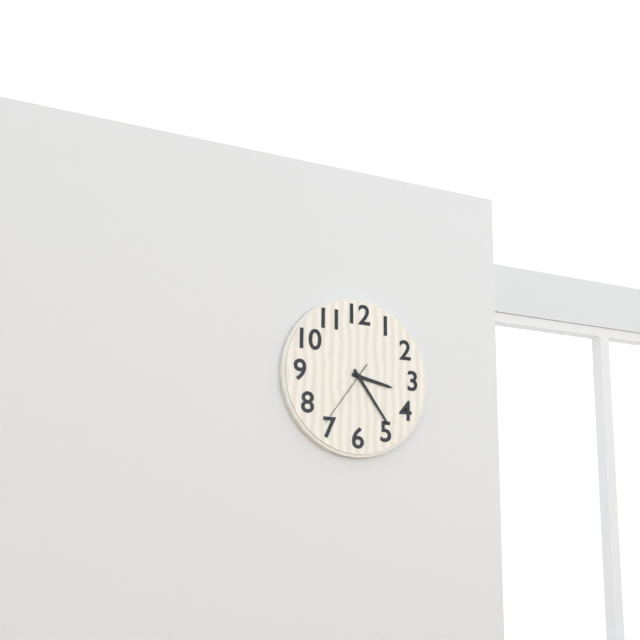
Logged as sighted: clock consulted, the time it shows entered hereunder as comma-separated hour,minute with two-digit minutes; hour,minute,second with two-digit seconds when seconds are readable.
3,24,36
